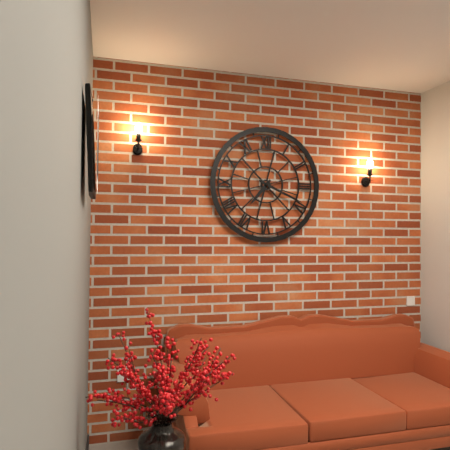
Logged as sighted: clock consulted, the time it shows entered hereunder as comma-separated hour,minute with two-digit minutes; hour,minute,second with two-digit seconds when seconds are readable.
7,19
